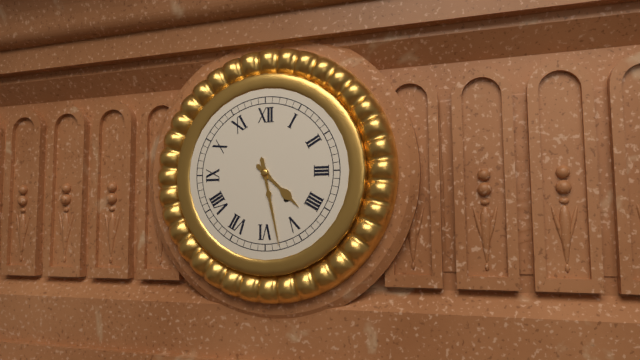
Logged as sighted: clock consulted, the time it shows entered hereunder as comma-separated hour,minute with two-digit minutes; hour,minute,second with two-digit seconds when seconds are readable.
4,28
